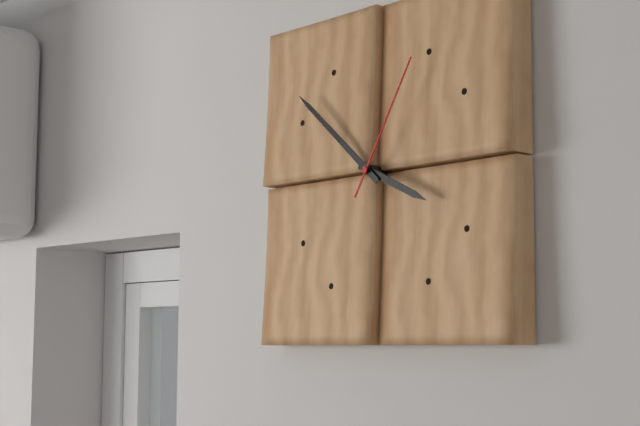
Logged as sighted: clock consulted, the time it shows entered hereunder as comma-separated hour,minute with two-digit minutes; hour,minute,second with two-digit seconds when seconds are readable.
3,52,05
